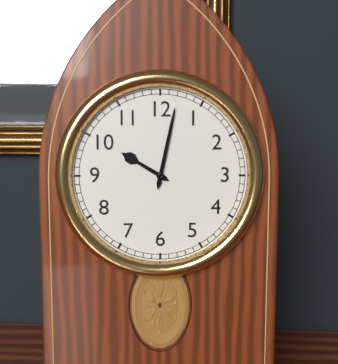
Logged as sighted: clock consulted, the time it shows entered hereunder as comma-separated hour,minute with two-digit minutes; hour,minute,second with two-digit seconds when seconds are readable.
10,02
